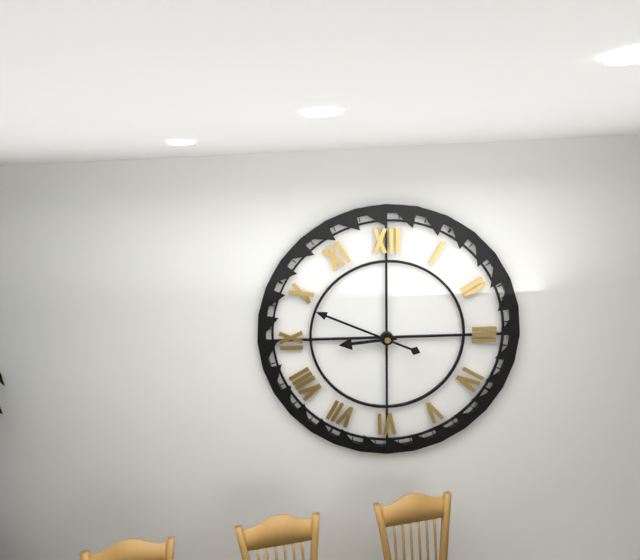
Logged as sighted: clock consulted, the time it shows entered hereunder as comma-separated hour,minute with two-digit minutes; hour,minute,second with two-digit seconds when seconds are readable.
8,49
